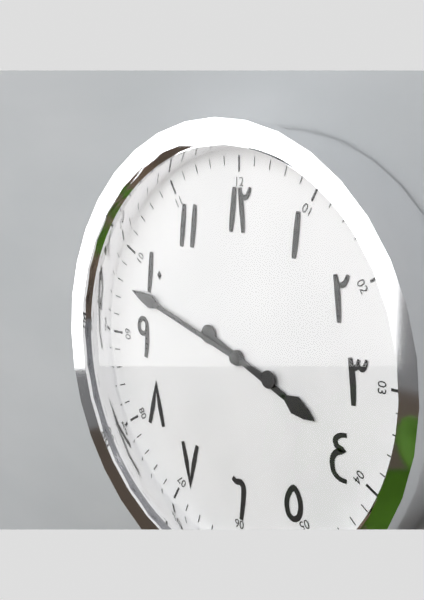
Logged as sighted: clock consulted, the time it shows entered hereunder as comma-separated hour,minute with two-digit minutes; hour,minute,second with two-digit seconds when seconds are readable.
3,48
